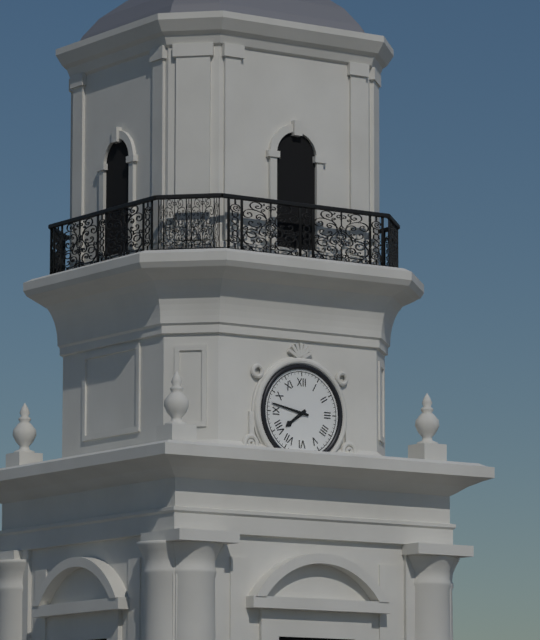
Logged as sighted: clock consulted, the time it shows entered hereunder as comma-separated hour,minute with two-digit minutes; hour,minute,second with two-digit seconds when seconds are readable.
7,47
